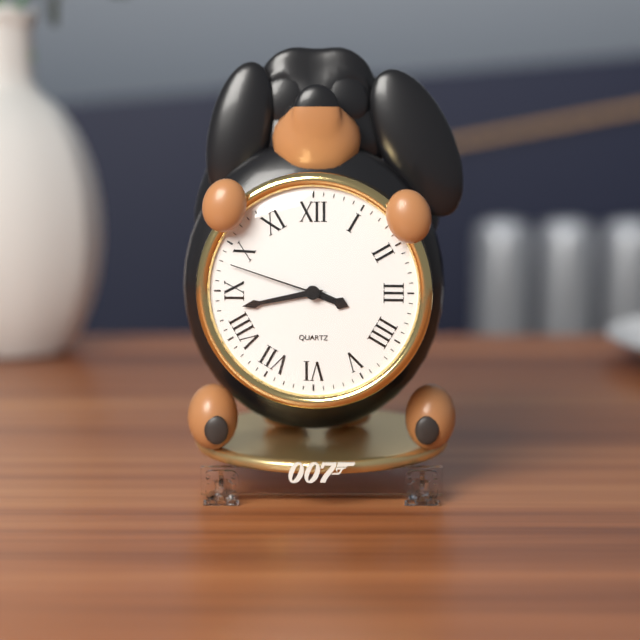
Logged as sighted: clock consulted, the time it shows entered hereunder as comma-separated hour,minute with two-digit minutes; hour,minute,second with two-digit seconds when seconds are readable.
3,43,48
